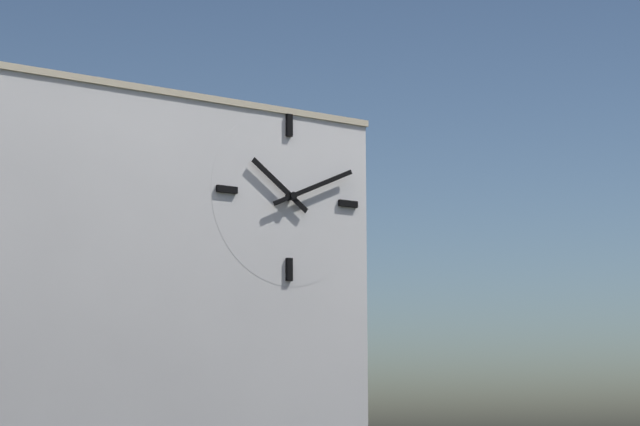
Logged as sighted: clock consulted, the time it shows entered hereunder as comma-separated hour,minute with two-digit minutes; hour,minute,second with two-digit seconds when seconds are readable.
10,11
